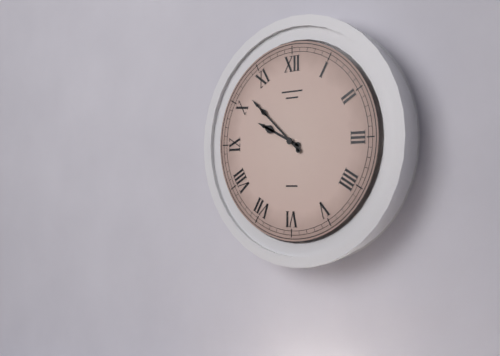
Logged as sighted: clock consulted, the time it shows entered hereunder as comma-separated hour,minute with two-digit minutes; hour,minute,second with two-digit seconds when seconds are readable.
9,52
